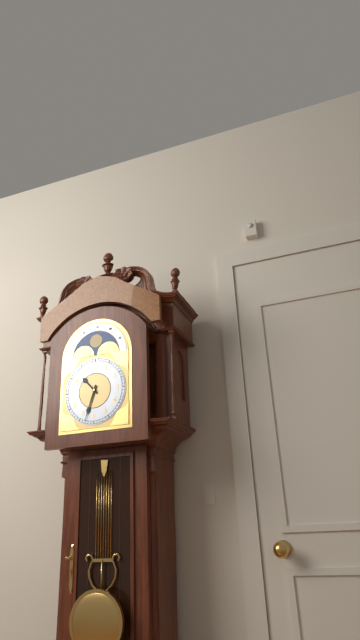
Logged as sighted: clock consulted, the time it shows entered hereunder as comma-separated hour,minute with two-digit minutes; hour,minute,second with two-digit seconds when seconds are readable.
10,33
